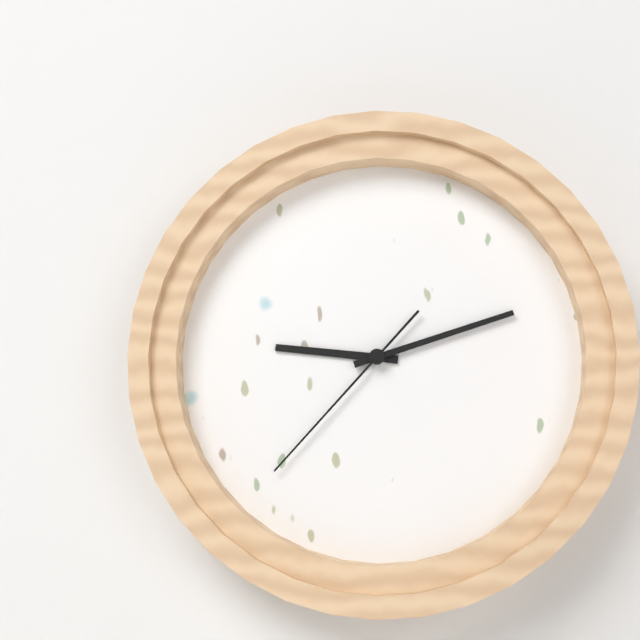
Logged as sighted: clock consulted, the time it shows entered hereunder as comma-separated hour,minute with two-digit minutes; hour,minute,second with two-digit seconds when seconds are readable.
9,12,37
